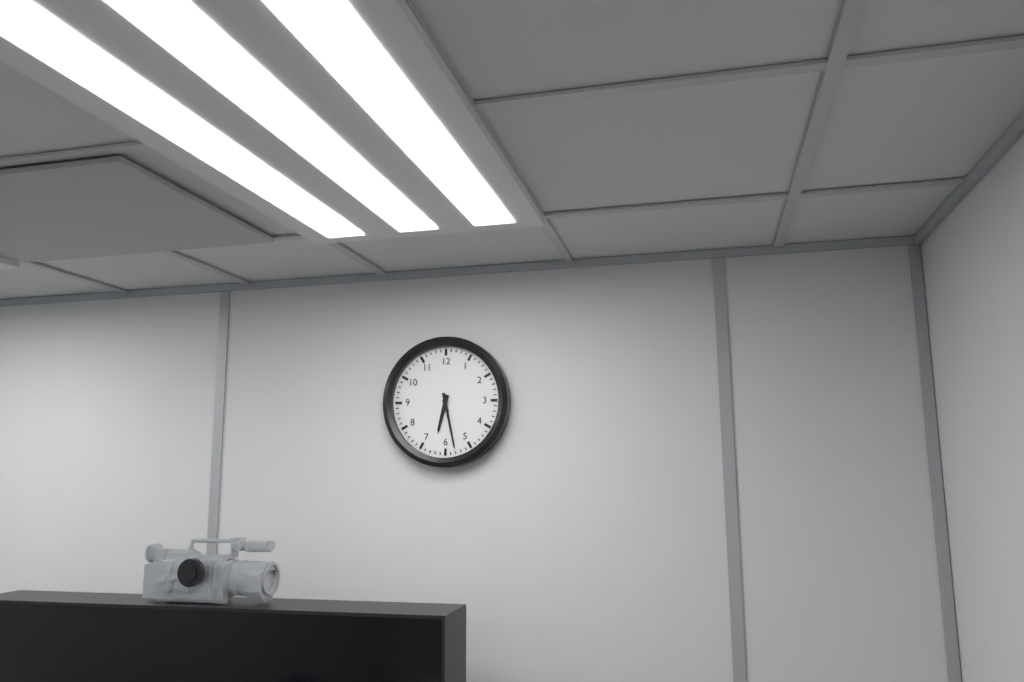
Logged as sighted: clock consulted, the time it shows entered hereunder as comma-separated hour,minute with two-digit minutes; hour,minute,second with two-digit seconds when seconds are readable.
6,28
